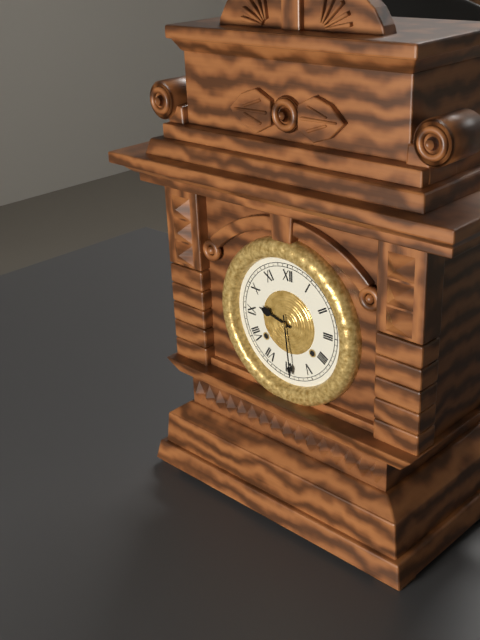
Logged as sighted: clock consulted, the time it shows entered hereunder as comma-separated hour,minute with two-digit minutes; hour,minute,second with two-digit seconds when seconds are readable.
9,29
